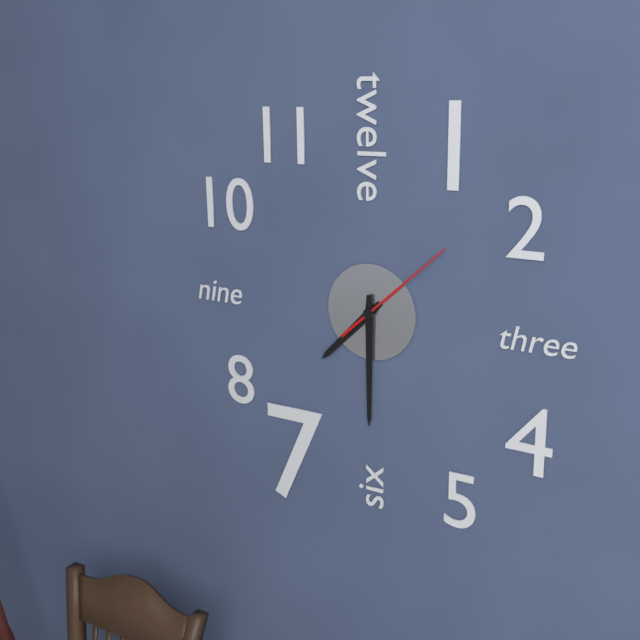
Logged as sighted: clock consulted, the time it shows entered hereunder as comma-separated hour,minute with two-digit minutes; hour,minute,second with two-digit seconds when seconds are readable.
7,30,08
